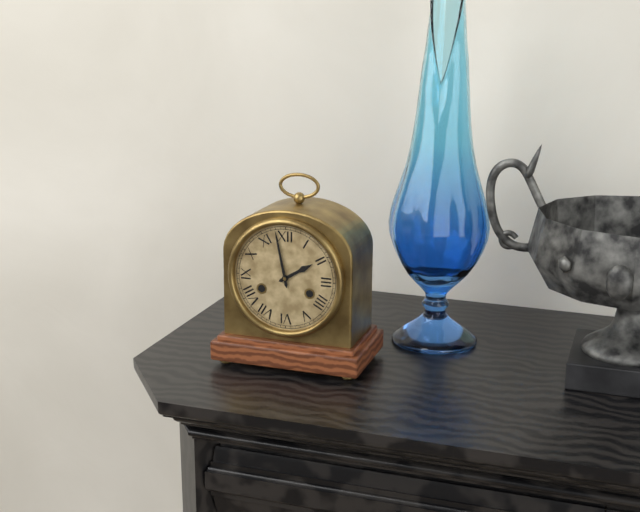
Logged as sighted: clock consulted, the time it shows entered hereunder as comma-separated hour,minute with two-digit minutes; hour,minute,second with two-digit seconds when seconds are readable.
1,58
